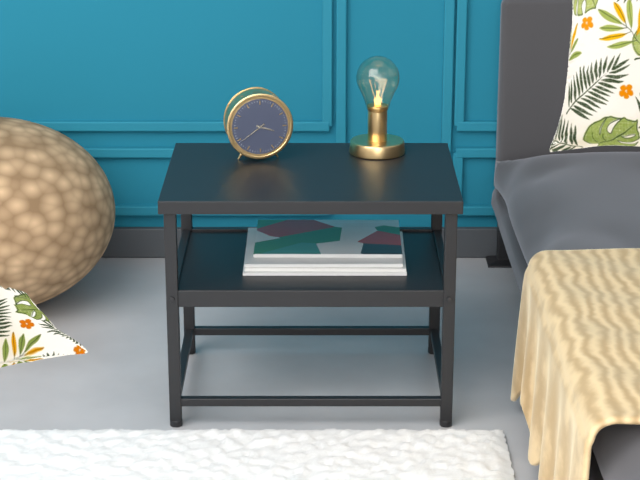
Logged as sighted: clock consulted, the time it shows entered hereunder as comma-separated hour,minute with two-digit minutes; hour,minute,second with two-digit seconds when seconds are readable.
3,39
